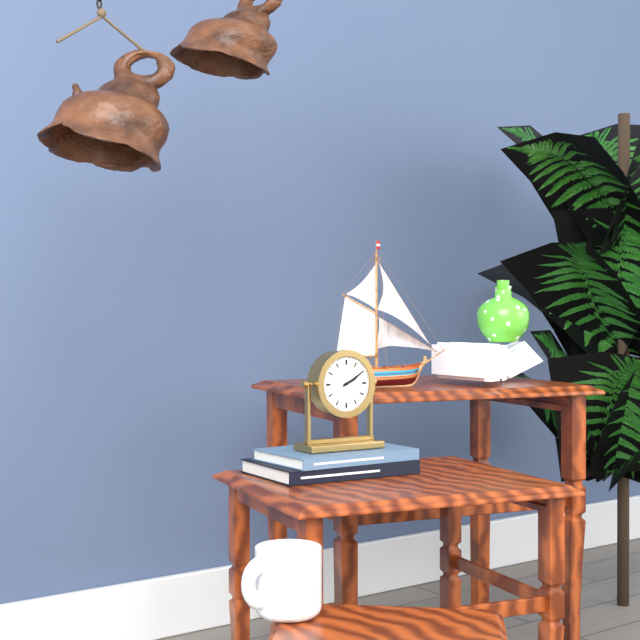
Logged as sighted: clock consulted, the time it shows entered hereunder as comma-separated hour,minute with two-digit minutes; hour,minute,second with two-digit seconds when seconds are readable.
2,10
